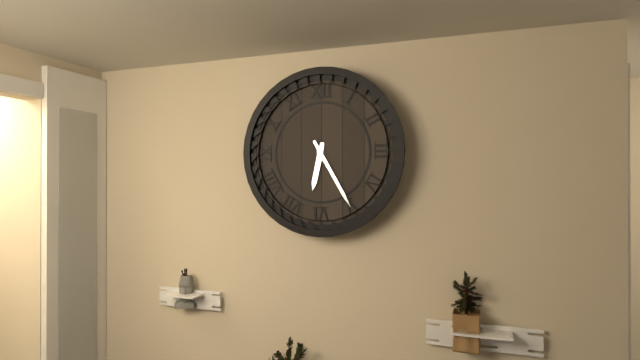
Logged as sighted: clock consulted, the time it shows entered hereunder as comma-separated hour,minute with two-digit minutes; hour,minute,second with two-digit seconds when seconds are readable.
6,25
